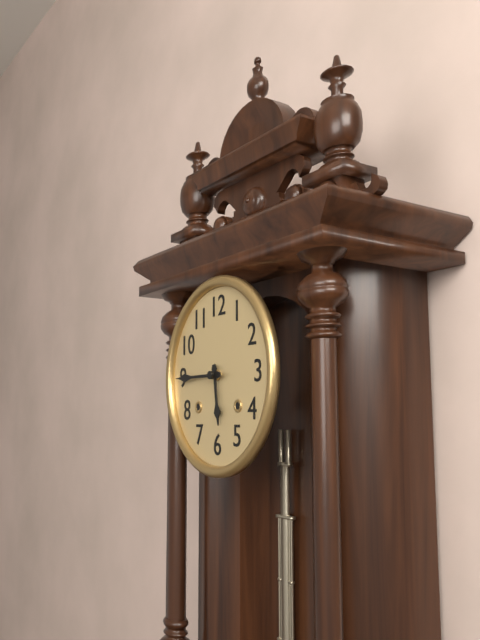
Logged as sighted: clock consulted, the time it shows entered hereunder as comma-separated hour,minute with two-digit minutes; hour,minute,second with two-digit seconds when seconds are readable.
5,45
